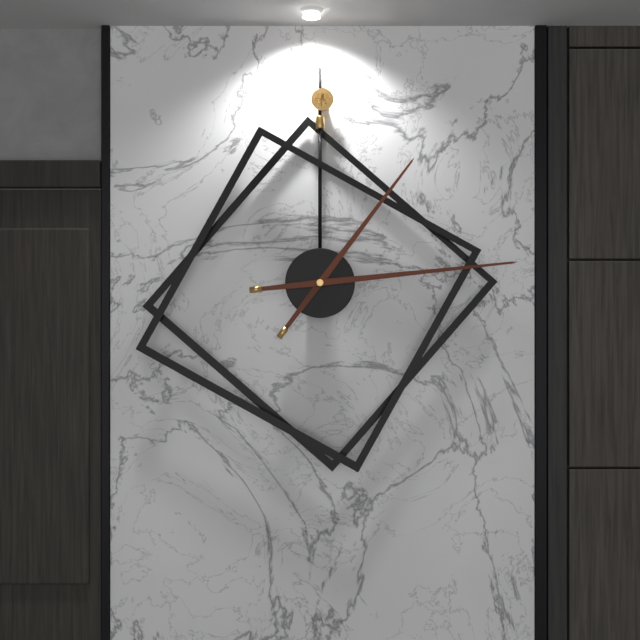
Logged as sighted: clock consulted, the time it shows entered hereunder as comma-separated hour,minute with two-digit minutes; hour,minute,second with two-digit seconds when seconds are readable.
1,14
